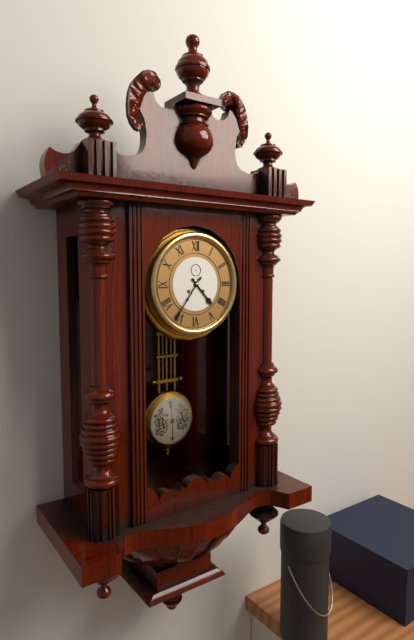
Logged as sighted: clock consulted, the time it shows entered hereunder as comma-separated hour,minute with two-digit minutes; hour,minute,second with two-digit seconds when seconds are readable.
4,36
